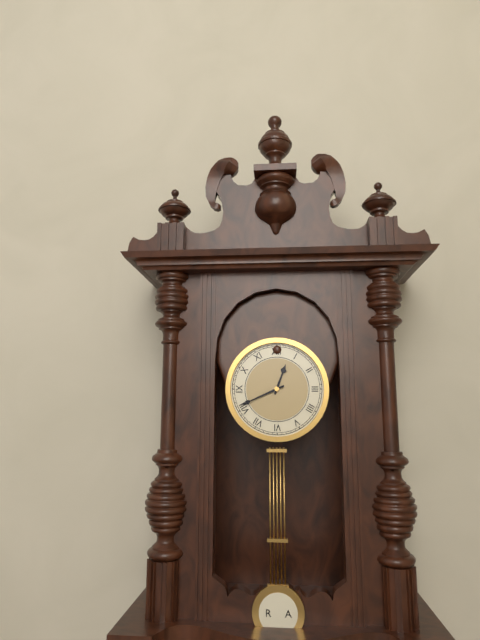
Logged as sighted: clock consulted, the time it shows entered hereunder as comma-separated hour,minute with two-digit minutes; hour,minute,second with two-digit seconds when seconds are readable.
12,41
